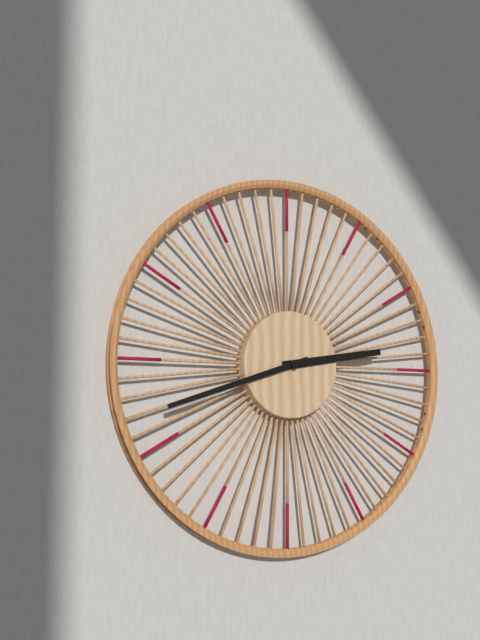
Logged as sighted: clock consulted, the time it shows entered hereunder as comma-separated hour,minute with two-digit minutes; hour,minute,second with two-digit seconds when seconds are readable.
2,42
